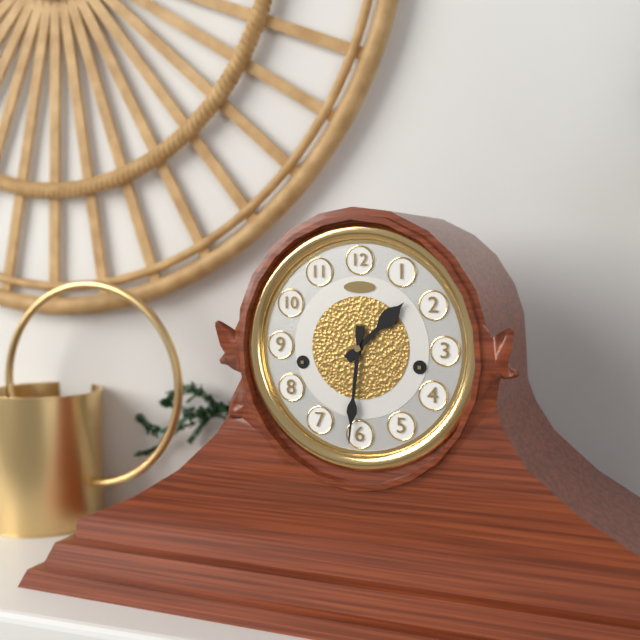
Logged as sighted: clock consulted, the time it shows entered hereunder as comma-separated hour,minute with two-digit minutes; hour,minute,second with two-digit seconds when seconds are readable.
1,31
